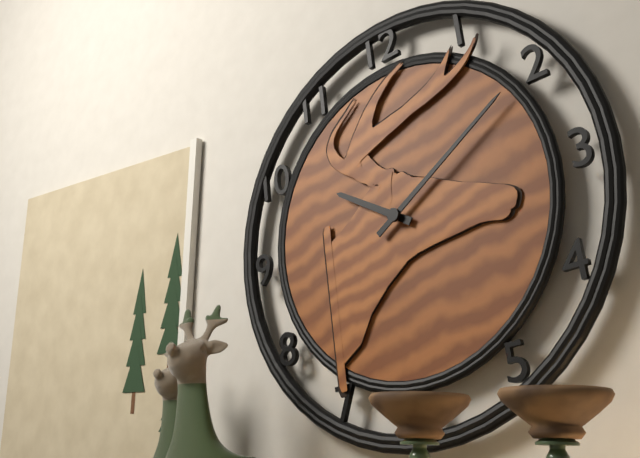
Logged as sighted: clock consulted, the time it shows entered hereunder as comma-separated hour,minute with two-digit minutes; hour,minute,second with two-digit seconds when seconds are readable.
10,10
